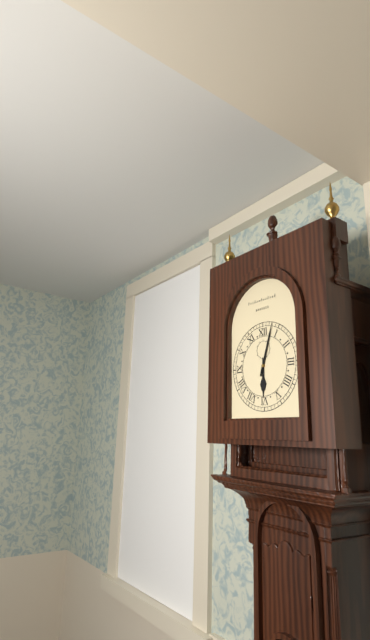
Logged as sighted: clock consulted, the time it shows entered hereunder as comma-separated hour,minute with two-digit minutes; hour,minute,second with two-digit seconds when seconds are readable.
6,03
